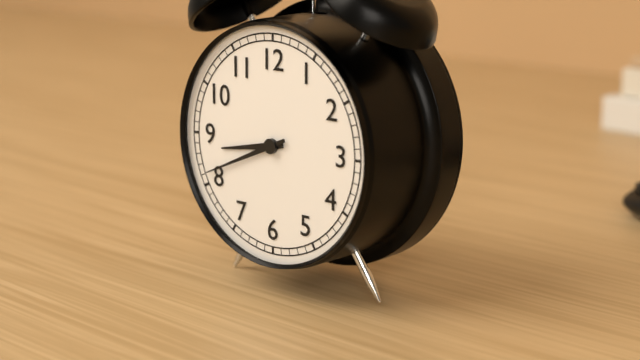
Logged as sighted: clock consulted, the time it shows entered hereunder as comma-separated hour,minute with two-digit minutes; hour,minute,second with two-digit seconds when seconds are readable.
8,41
